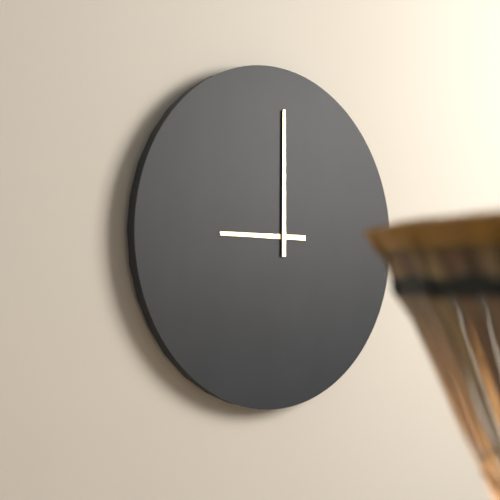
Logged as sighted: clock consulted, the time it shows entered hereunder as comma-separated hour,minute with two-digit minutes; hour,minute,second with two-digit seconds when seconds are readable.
9,00
